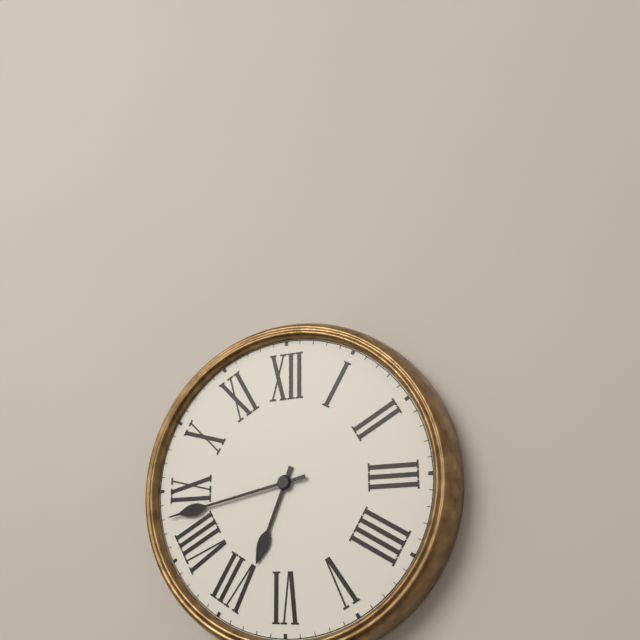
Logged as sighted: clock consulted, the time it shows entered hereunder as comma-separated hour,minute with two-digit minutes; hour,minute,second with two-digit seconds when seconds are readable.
6,43
